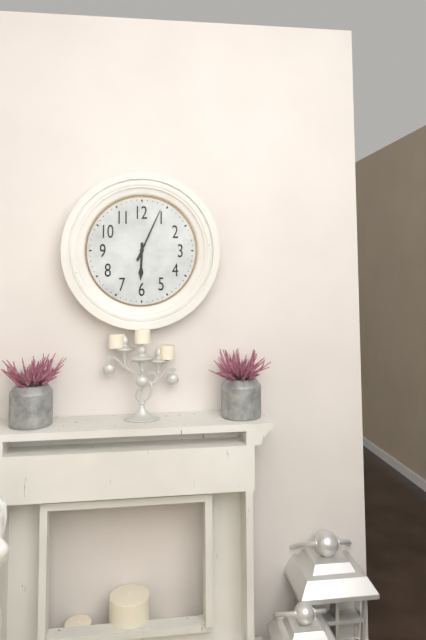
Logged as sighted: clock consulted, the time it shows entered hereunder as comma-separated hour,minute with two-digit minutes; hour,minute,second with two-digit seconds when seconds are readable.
6,04
